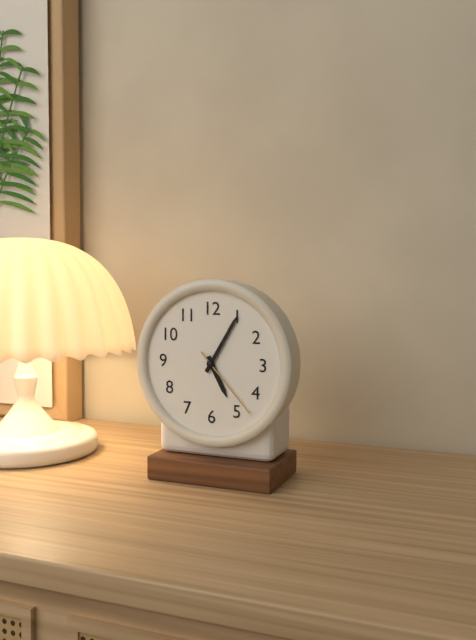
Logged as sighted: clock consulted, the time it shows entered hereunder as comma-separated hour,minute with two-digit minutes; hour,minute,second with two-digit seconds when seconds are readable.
5,05,23
